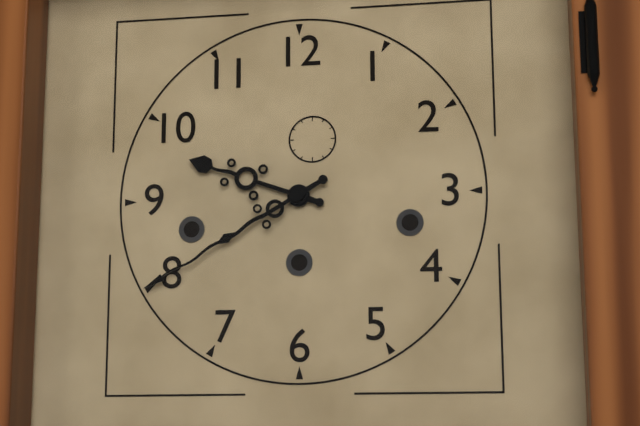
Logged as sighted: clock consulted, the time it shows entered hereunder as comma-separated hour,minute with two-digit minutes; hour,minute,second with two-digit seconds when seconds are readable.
9,40
